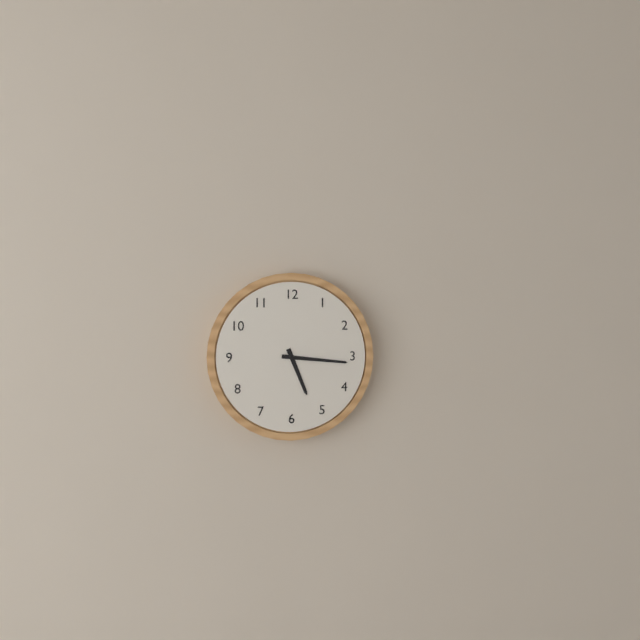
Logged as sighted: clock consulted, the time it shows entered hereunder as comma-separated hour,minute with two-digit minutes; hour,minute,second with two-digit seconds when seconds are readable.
5,16
